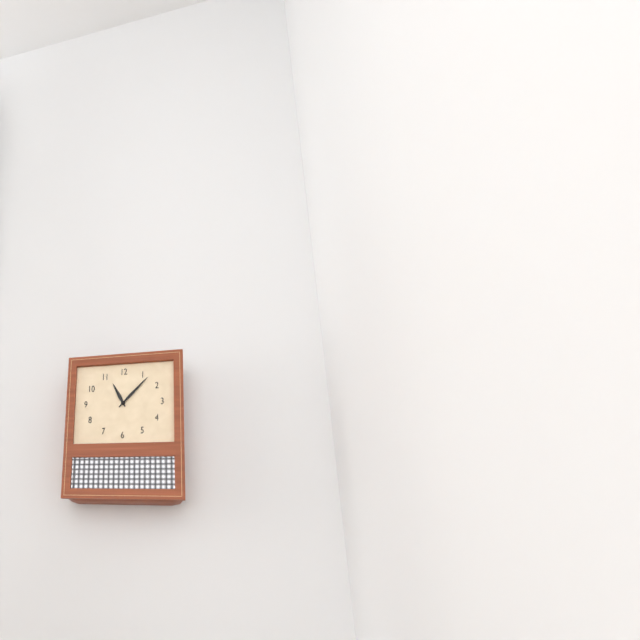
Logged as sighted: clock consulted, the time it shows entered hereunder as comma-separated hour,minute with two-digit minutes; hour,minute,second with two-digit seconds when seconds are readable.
11,07
